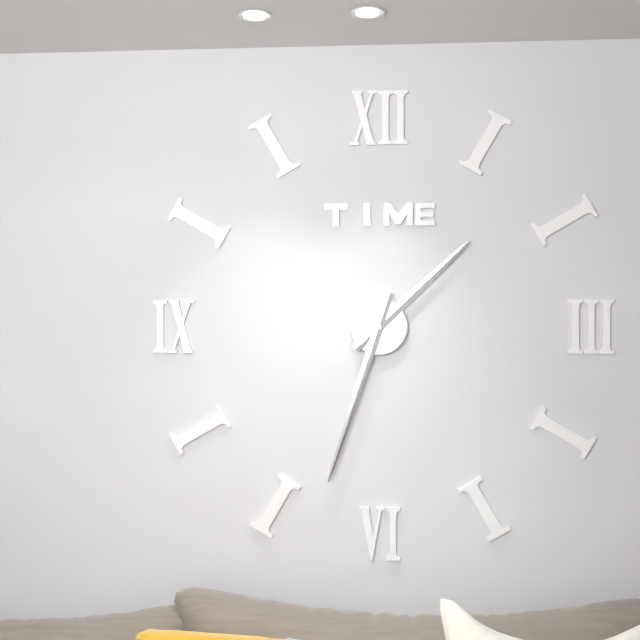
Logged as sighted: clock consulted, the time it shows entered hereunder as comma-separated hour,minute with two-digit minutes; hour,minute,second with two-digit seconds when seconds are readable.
1,33
